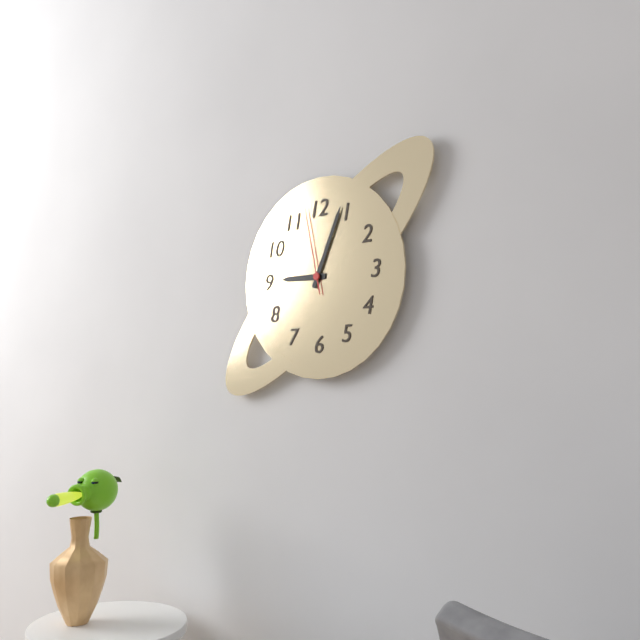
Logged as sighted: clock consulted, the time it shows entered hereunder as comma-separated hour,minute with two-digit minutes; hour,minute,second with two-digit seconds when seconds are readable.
9,04,58
